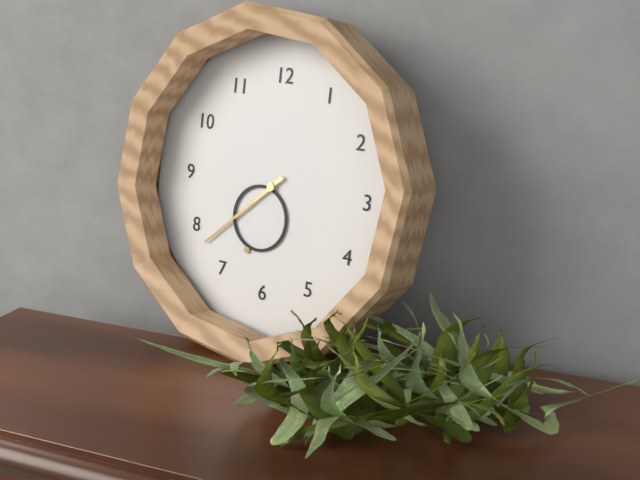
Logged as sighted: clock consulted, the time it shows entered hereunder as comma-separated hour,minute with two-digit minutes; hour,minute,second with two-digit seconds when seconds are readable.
6,38
